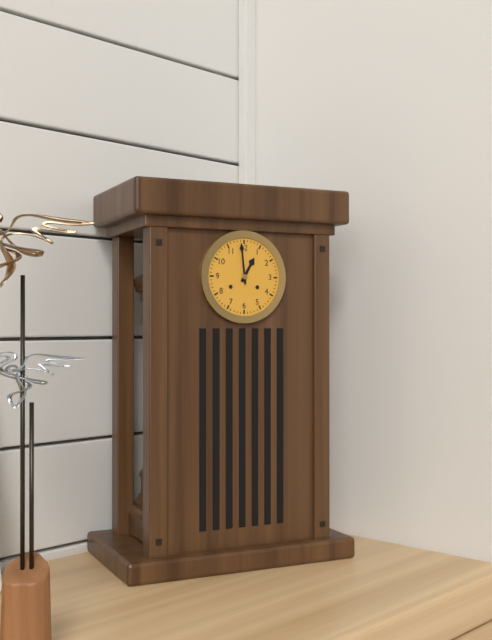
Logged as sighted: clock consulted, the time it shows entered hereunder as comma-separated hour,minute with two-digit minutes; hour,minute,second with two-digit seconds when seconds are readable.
12,59
